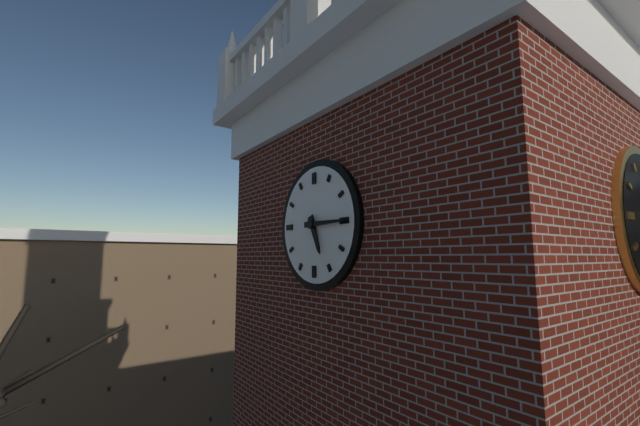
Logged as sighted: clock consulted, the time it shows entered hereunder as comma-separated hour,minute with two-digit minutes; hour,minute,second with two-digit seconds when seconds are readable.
5,15
